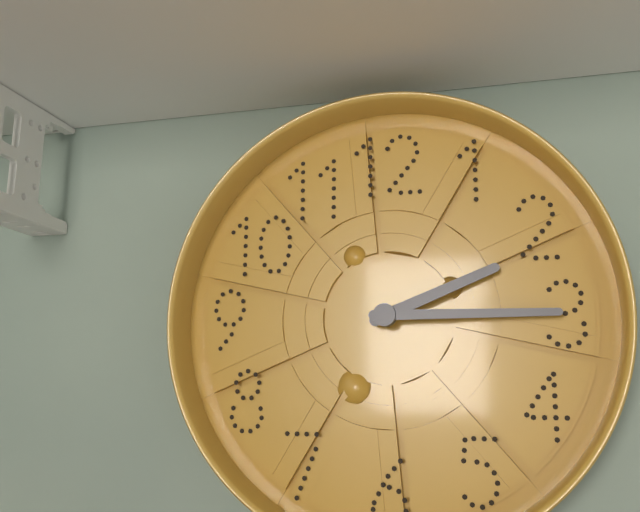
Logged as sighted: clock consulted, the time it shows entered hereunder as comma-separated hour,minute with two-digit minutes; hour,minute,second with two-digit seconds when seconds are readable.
2,15
